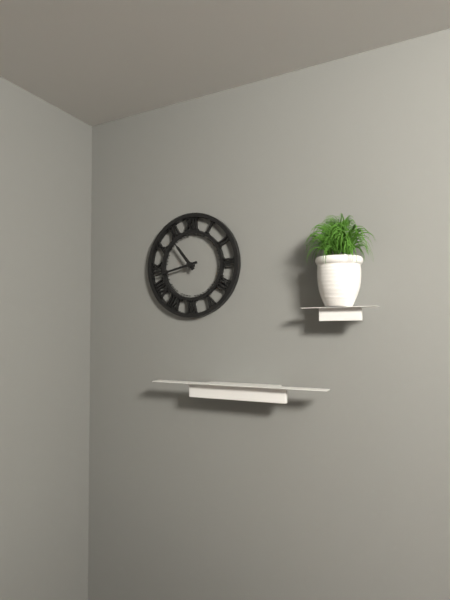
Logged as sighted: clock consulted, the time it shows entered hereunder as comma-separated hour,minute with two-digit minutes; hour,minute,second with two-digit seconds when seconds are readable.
10,43
